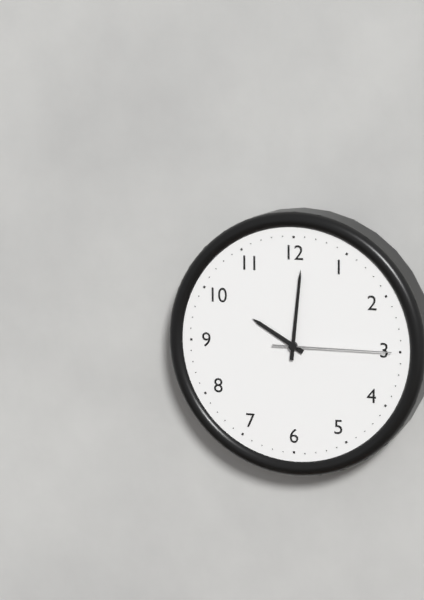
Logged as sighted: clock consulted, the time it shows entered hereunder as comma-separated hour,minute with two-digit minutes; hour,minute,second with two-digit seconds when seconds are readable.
10,01,15
